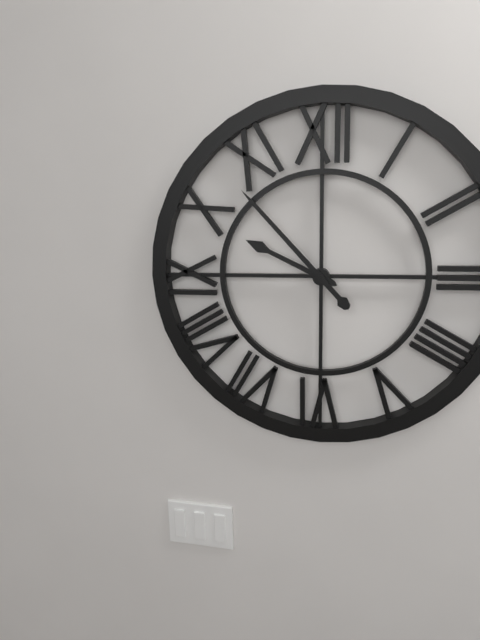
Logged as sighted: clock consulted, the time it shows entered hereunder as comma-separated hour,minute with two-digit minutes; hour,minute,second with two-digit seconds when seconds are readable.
9,53
